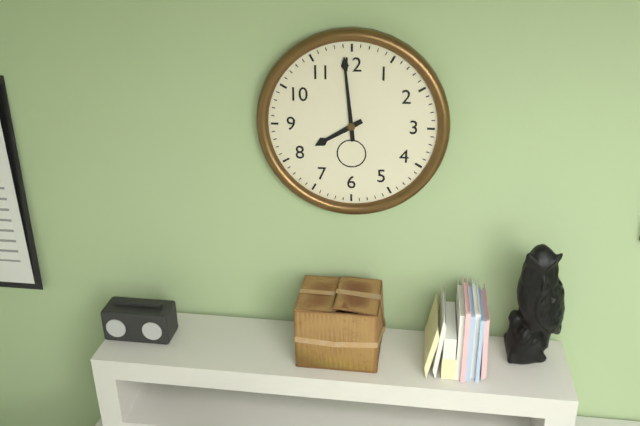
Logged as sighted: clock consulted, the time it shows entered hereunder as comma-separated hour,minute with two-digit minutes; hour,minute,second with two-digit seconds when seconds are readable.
7,59
